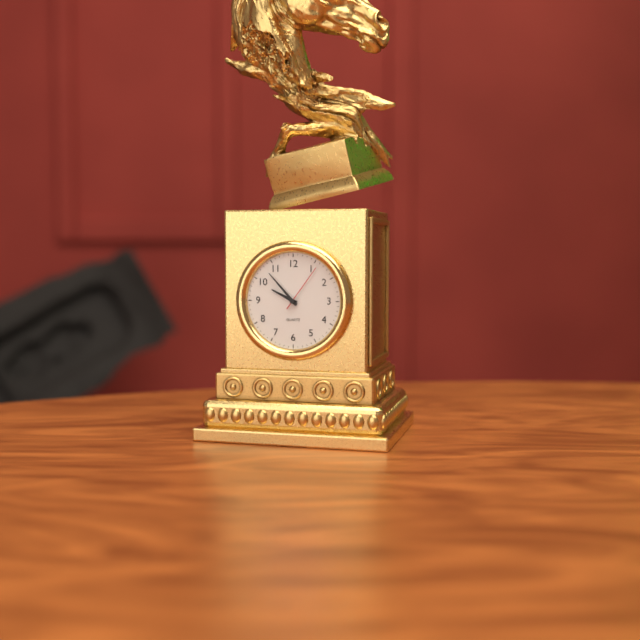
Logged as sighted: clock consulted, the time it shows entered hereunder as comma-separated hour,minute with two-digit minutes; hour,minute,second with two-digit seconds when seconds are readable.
9,53,06
